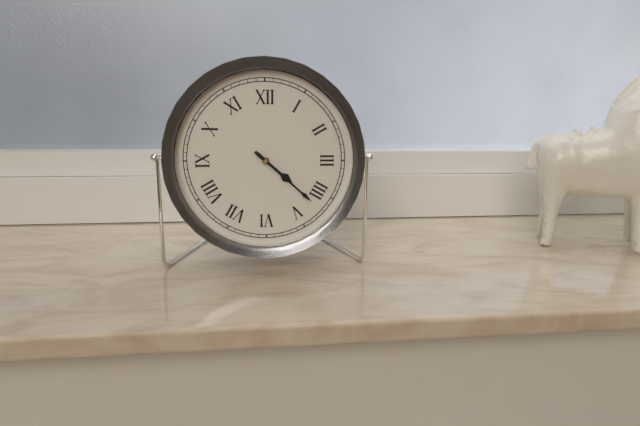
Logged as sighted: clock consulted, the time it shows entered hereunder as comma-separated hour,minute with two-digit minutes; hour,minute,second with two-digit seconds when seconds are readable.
4,22
